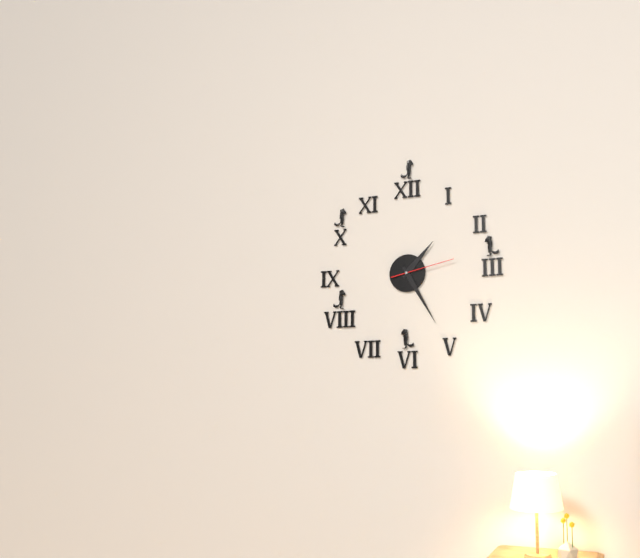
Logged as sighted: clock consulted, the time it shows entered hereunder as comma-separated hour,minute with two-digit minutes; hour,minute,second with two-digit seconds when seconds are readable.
1,25,13
